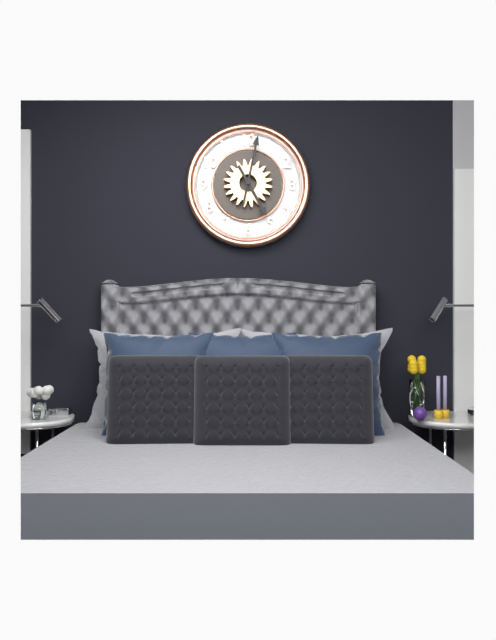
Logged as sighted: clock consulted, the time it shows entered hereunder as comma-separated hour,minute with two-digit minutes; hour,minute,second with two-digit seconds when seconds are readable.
5,02
